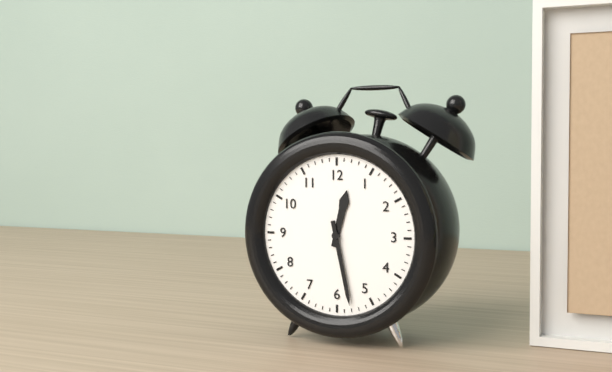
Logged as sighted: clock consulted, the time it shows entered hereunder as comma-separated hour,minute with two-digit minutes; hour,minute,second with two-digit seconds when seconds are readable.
12,28
